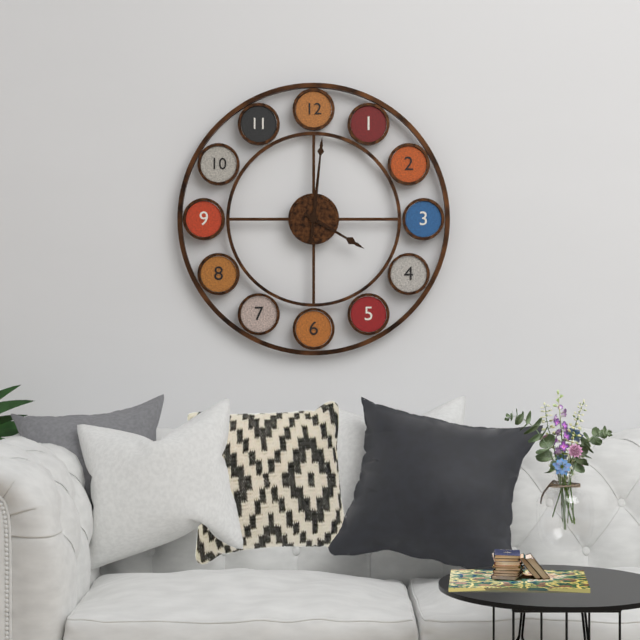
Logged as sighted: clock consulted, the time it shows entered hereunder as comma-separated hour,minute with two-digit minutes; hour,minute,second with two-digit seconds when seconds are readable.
4,01
